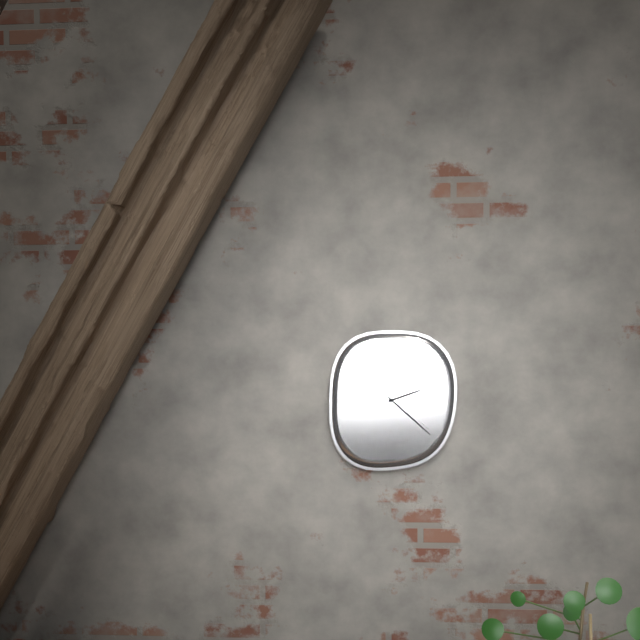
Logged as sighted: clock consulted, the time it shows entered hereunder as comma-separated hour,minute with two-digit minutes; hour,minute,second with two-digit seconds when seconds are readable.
2,22
